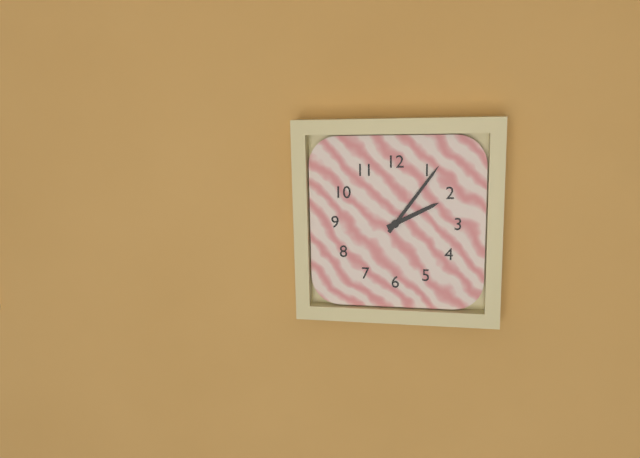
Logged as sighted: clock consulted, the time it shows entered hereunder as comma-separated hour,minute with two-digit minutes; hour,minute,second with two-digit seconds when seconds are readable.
2,06
